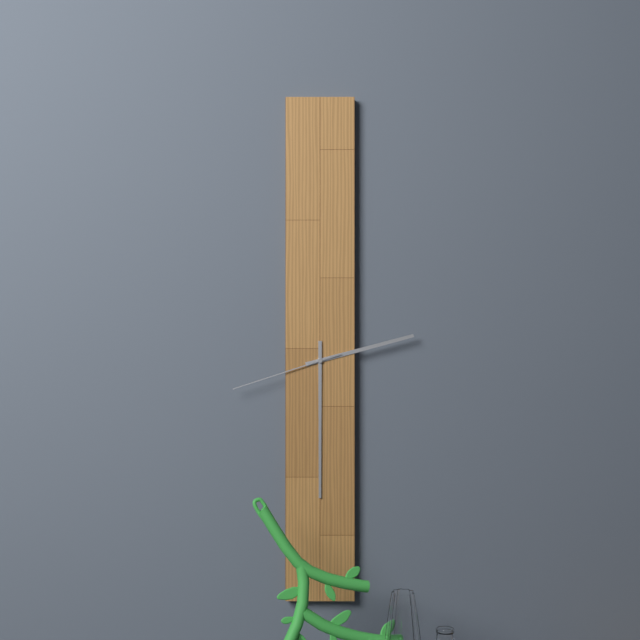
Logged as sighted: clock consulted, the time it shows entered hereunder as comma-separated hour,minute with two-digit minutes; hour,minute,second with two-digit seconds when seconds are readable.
2,30,42
